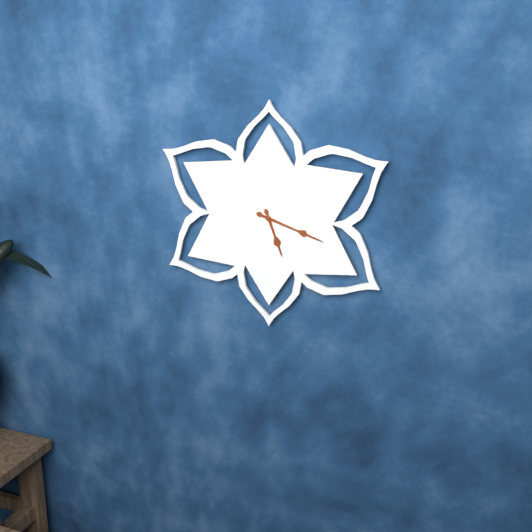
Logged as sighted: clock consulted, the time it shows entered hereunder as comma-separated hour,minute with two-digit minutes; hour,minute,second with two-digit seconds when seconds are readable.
5,18
